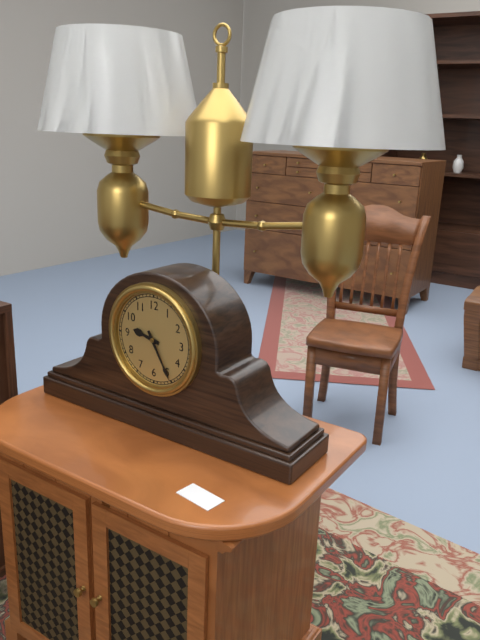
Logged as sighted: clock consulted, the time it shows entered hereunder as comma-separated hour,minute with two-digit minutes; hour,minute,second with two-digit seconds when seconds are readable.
9,25
